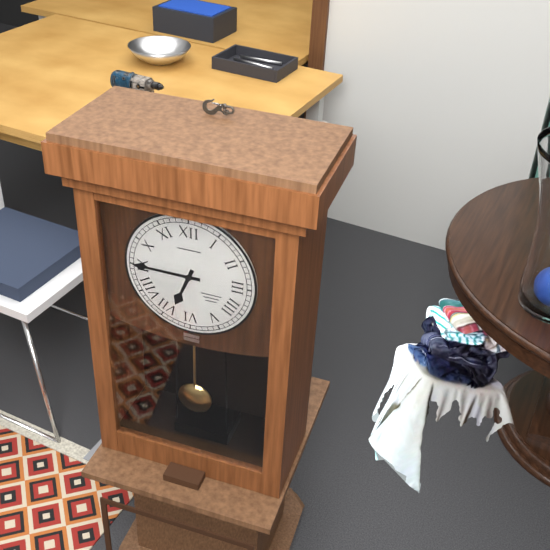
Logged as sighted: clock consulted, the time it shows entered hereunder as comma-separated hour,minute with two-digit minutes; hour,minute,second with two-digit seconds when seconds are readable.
6,45
